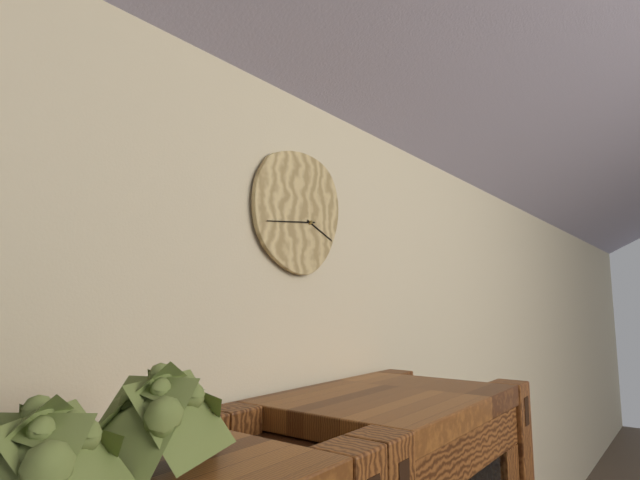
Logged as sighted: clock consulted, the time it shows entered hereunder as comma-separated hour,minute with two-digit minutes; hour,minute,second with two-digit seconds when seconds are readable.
3,44
